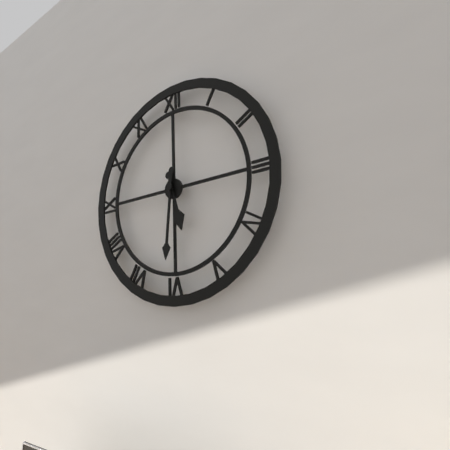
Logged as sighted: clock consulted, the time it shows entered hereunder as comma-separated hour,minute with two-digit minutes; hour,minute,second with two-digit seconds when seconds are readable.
5,31
